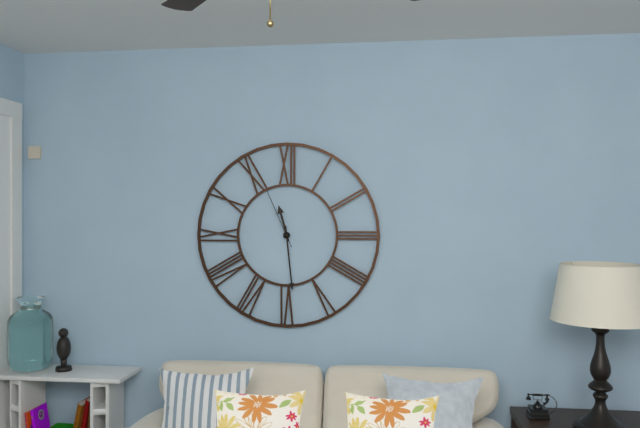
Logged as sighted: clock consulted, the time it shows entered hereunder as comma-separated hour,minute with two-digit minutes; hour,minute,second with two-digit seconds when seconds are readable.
11,29,56
